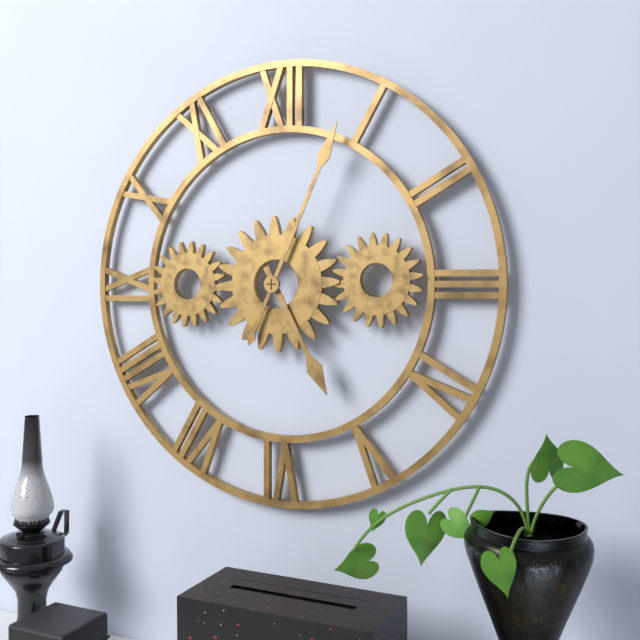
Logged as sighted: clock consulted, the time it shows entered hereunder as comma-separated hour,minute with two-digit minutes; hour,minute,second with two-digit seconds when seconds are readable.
5,04
